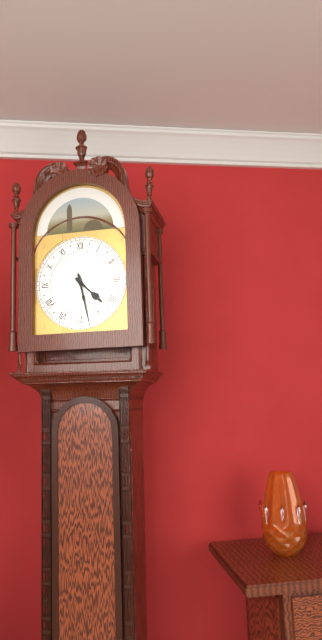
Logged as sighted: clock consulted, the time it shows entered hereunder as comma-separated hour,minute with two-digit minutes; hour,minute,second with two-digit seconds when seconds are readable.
4,28
